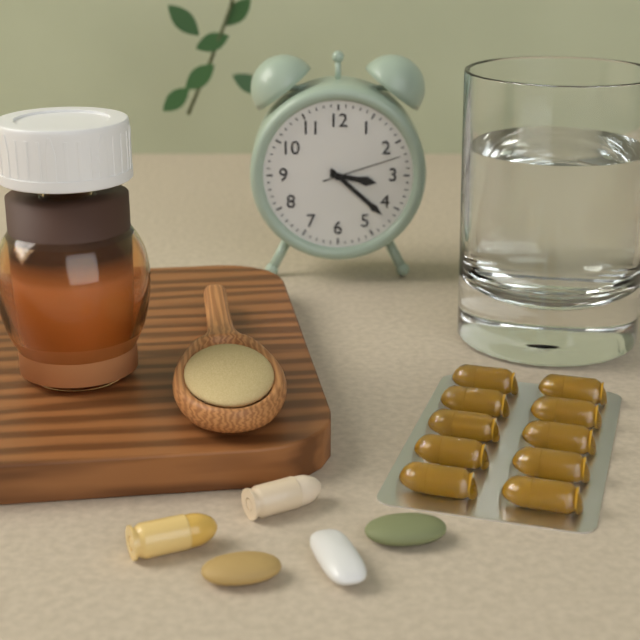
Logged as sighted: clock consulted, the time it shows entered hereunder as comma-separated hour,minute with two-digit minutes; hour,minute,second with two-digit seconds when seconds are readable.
3,22,12
